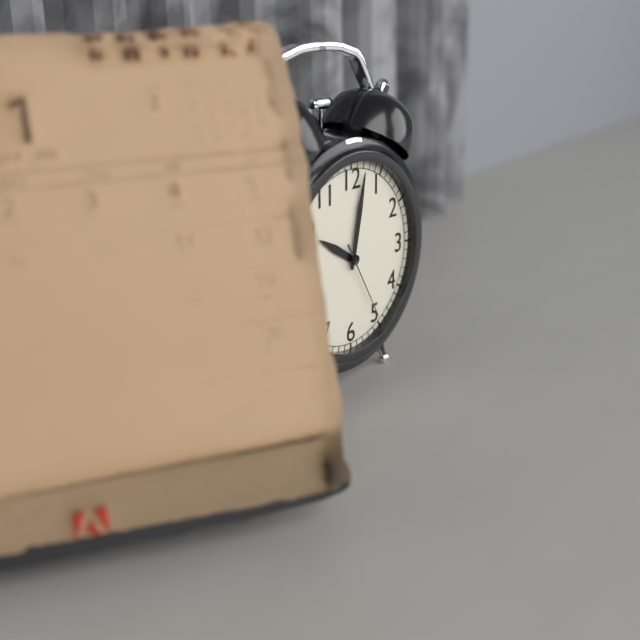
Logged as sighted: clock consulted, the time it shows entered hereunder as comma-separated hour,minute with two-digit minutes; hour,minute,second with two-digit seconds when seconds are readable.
10,02,25
